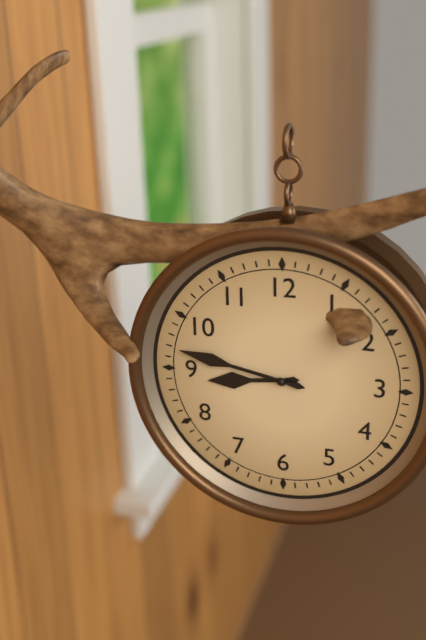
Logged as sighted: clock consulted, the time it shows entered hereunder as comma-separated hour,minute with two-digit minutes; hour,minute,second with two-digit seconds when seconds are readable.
8,47
